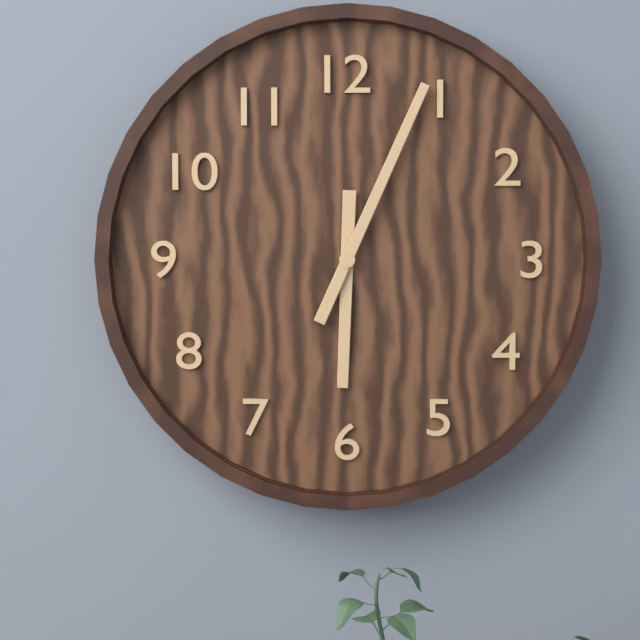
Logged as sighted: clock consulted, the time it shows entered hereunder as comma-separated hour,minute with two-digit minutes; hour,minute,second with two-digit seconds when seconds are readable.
6,04
